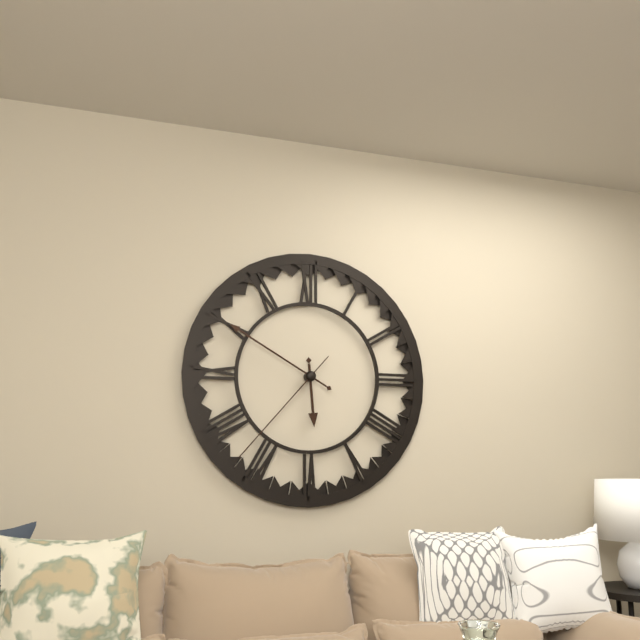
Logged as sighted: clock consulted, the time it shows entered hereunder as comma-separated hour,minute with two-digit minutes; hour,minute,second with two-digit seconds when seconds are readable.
5,50,37
